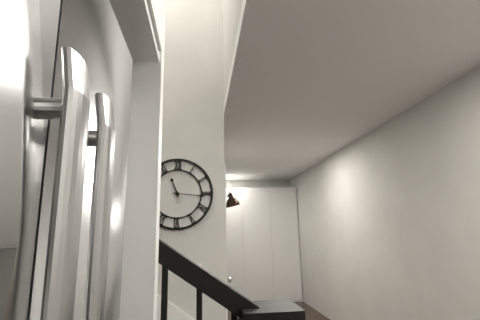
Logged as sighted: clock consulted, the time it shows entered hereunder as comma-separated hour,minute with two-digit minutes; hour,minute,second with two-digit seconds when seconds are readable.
11,16
